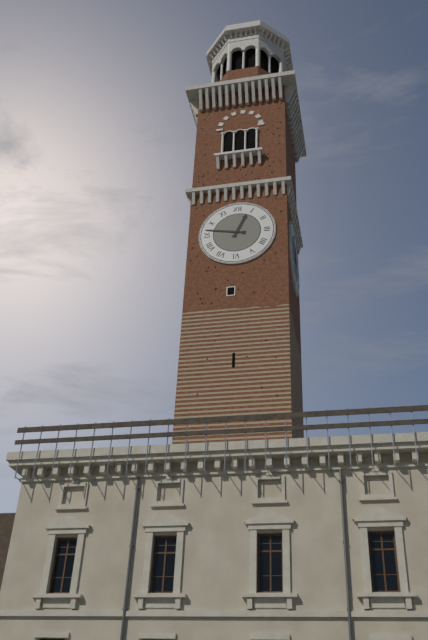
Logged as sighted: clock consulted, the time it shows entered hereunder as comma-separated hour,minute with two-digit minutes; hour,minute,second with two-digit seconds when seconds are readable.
12,47
